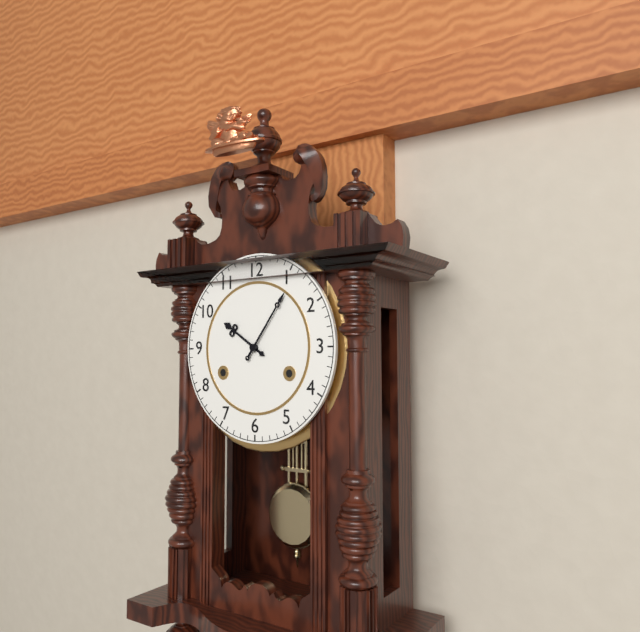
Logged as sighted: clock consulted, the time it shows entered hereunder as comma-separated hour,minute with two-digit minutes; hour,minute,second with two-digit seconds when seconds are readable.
10,06
